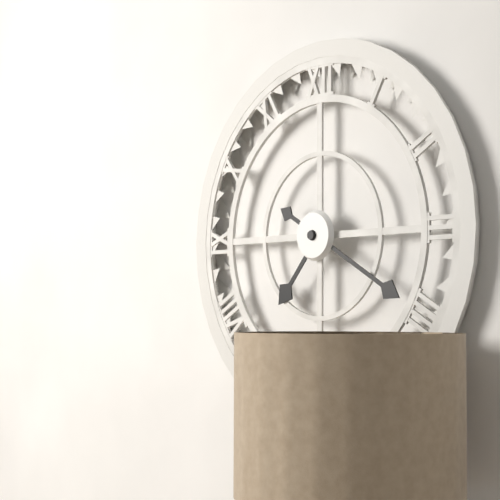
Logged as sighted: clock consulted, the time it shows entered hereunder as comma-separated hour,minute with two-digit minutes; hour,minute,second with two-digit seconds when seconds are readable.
7,20
